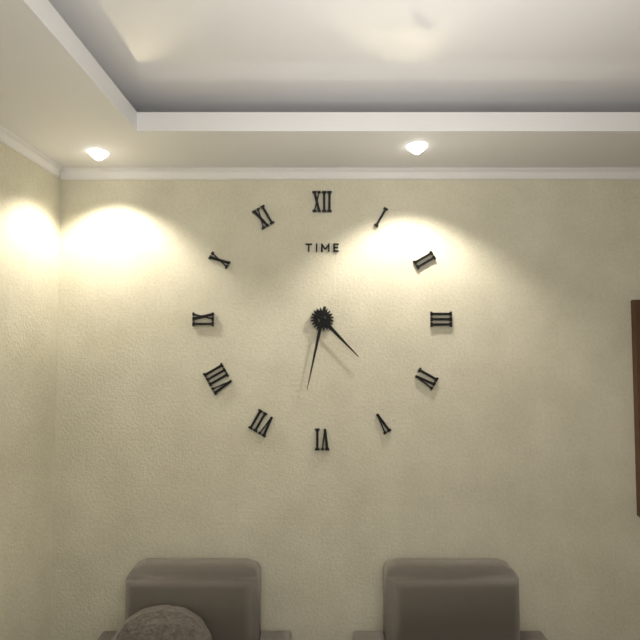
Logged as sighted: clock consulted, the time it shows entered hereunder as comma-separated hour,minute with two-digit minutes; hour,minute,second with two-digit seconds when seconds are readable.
4,32
